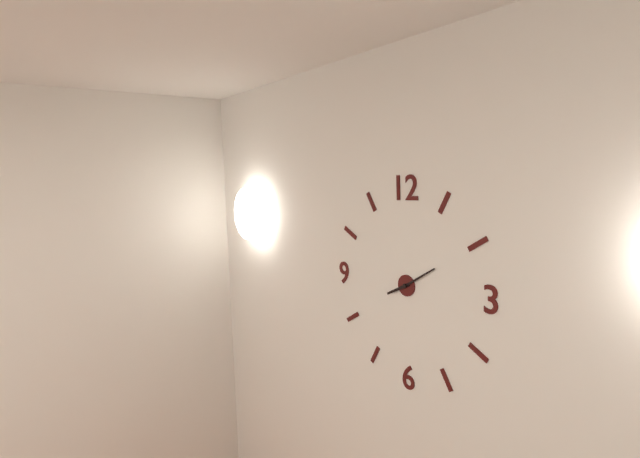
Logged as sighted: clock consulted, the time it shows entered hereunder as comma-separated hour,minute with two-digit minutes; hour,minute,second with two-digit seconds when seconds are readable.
8,10
